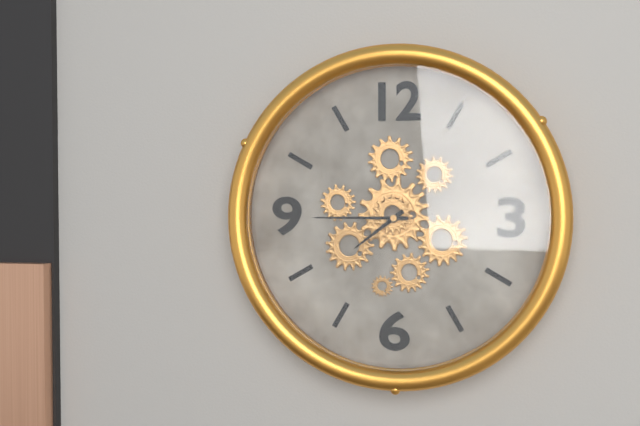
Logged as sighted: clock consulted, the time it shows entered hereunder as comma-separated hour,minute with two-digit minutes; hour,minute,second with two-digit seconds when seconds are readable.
7,45
